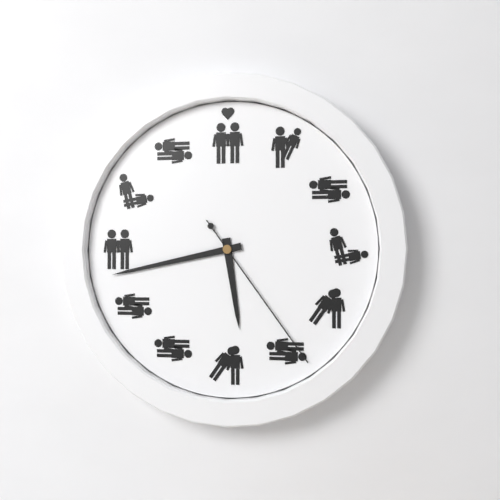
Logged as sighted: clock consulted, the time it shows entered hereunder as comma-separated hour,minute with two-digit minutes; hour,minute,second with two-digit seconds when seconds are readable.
5,43,24
